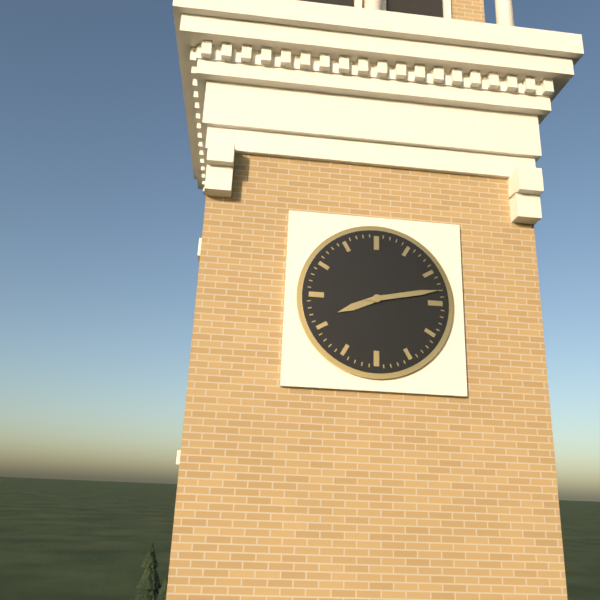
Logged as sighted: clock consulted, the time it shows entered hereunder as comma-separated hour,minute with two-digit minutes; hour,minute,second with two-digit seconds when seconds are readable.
8,13
